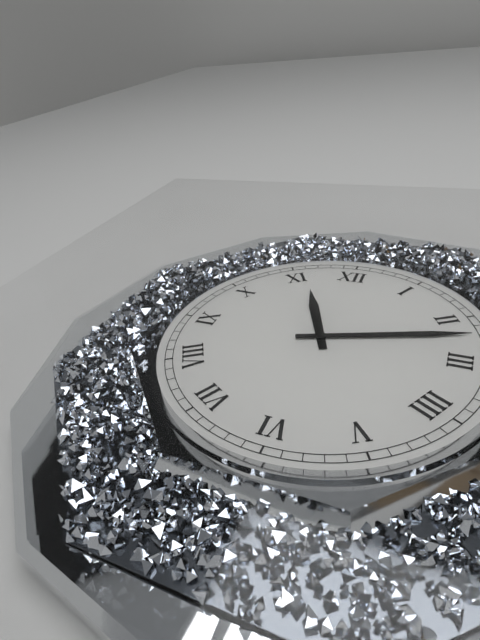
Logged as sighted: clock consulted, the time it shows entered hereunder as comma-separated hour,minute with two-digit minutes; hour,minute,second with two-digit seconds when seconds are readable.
11,12
